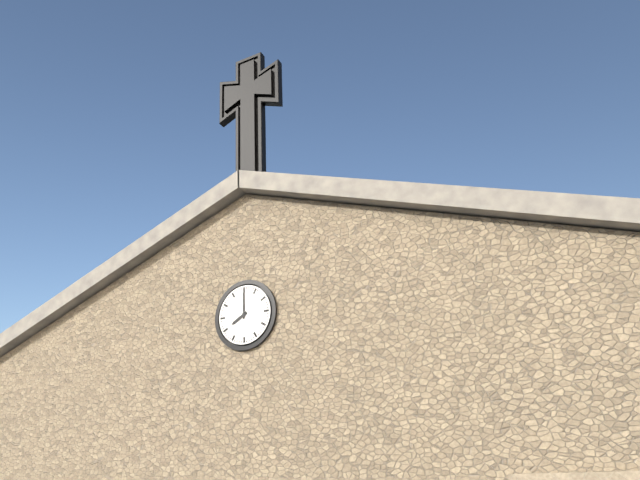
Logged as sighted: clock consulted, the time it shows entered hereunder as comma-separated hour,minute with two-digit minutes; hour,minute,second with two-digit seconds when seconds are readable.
8,00
